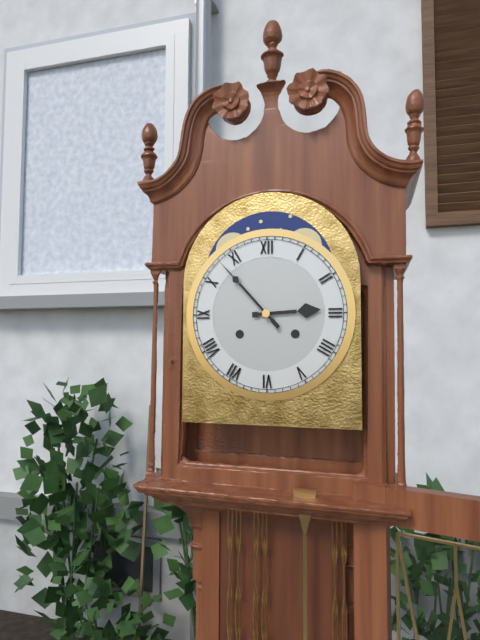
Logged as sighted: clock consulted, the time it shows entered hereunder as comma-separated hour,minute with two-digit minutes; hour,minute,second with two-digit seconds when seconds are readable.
2,53
